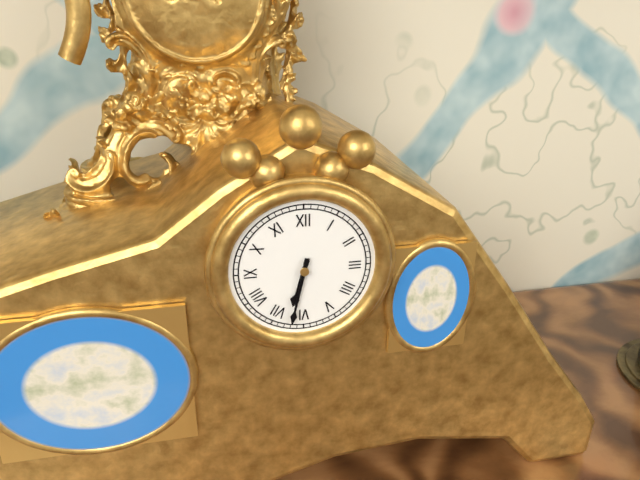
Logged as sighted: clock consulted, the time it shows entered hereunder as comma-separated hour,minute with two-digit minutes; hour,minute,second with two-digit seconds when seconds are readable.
6,32
